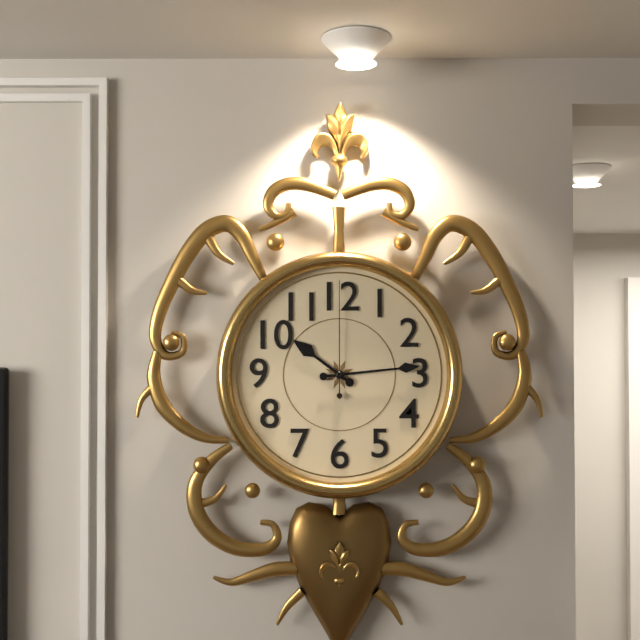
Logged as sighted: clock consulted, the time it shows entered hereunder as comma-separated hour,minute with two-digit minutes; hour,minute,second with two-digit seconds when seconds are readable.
10,14,00
